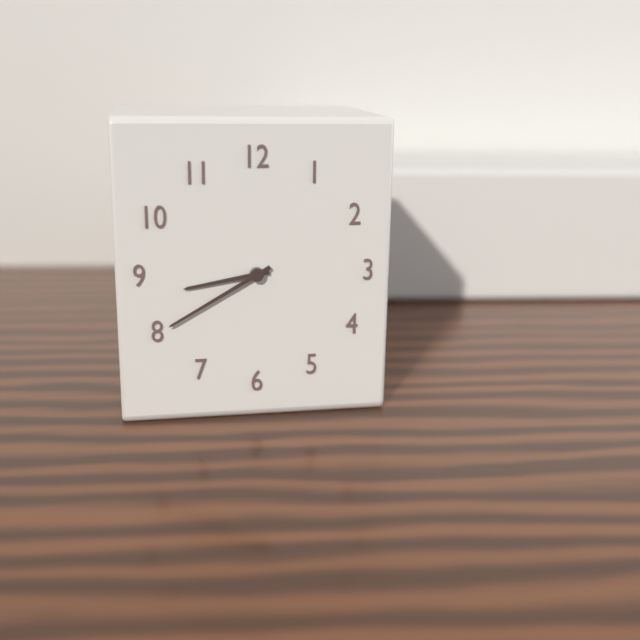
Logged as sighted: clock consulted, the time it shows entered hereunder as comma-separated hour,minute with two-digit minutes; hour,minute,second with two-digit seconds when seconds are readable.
8,40
